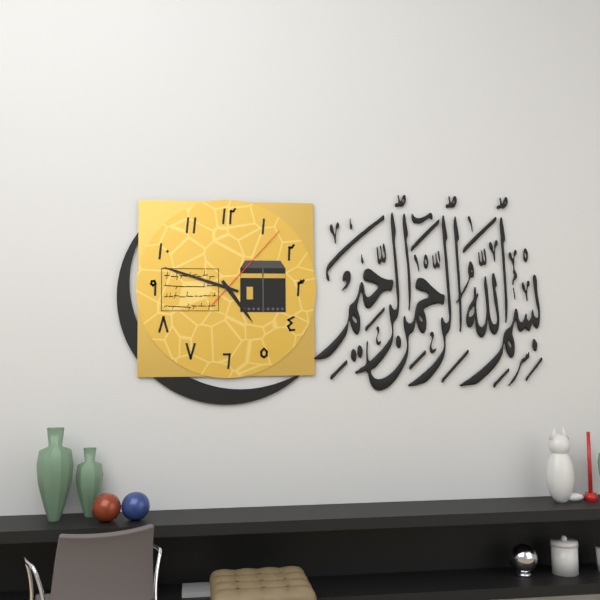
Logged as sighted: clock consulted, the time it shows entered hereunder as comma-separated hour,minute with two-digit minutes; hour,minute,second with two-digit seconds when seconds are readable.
4,48,07
